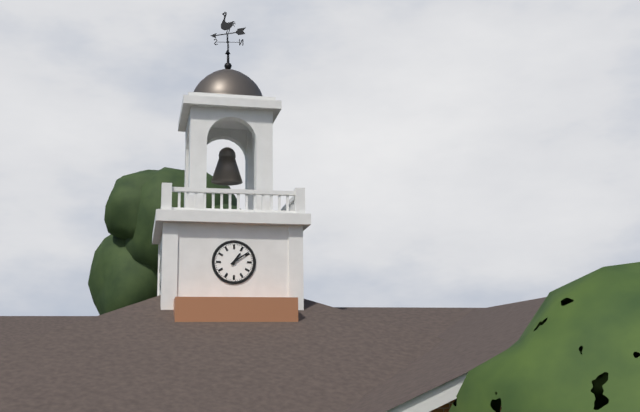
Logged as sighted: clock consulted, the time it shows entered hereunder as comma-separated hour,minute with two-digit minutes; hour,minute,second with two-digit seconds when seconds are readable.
1,09
